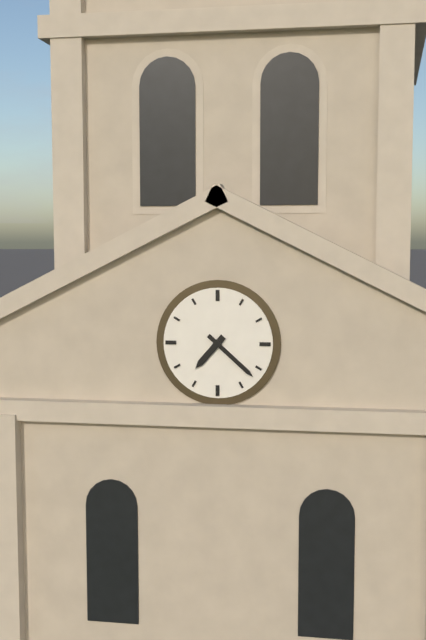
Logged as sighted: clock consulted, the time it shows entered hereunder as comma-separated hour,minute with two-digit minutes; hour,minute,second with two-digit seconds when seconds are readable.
7,22
